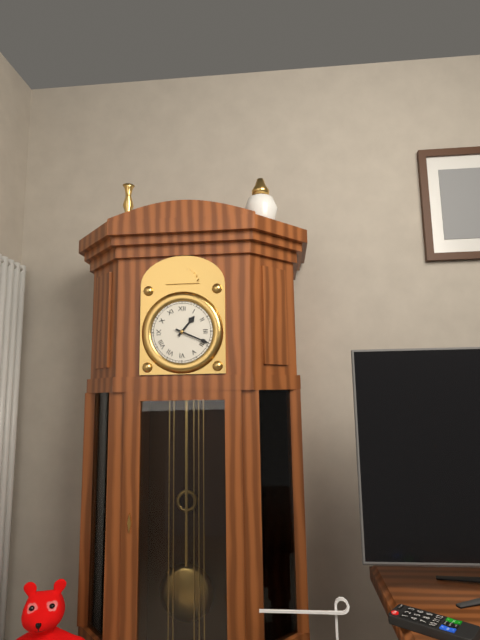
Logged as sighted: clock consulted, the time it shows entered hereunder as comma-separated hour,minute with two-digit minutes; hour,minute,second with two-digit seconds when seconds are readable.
1,19
